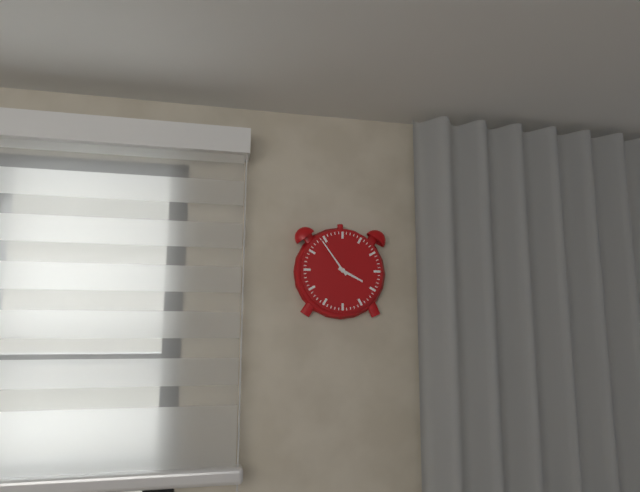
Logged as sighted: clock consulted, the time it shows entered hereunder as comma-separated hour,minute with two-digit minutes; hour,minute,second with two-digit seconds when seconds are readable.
3,54
